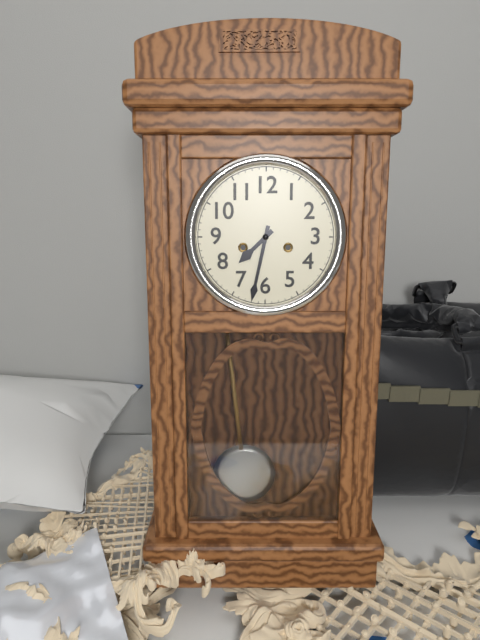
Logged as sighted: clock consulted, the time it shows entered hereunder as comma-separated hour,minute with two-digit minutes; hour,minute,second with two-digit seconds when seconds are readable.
7,32
